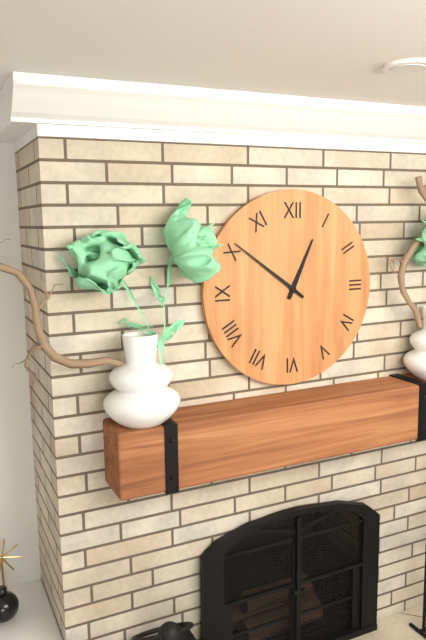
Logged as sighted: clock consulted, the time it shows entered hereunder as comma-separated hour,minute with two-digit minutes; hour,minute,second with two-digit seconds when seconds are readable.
12,51
